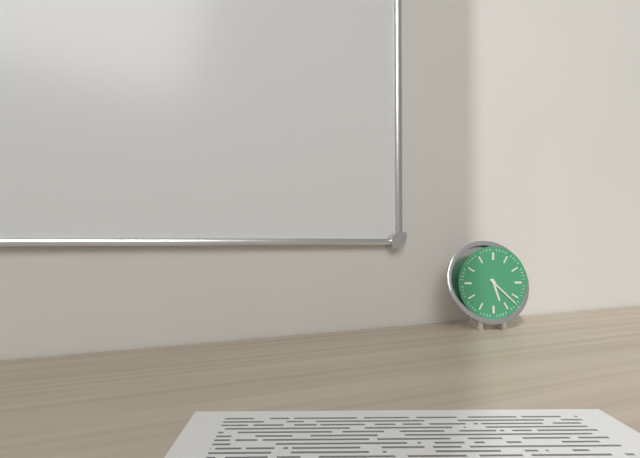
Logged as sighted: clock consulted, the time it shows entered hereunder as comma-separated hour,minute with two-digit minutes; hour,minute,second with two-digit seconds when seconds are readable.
5,22
